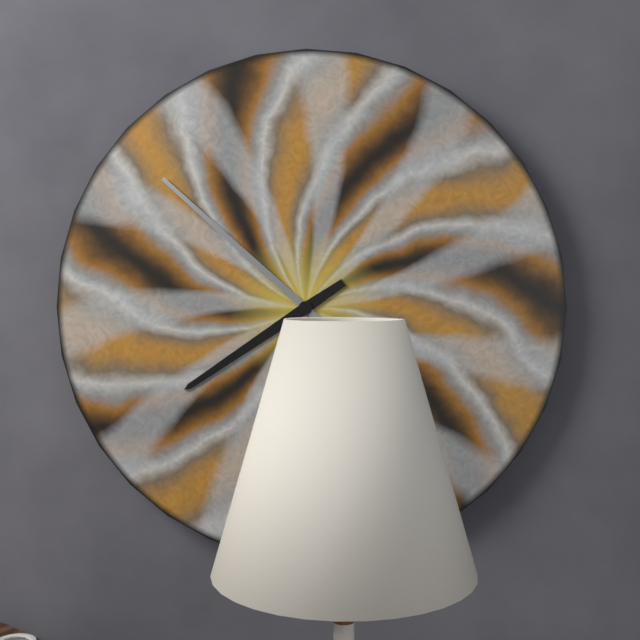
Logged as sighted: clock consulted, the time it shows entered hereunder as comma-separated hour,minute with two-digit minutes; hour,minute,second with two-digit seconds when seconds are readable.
7,52
